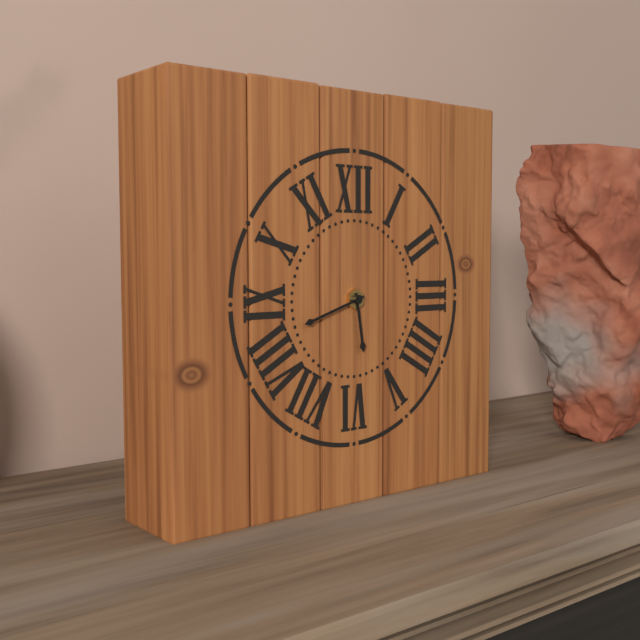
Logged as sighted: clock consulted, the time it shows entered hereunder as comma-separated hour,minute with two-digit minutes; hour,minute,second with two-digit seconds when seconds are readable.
5,42
